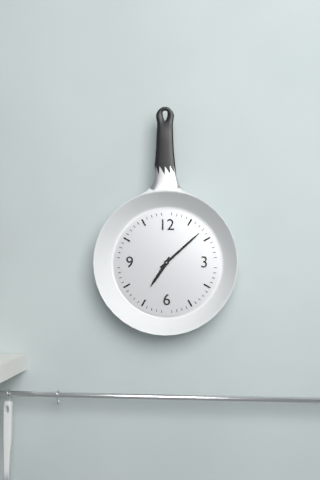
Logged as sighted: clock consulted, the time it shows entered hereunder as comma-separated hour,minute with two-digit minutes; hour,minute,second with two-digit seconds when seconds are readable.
7,08
